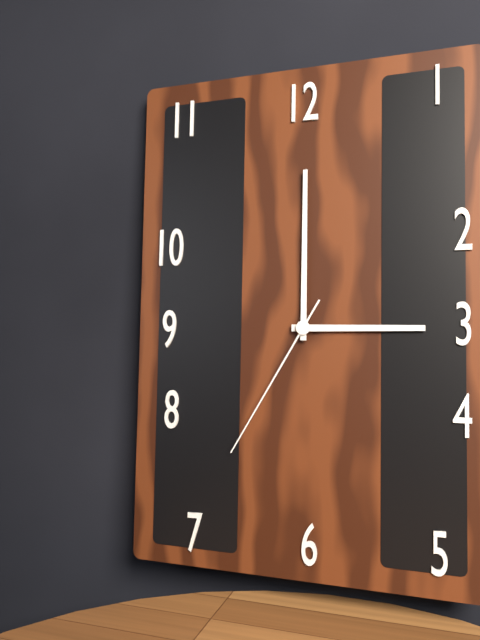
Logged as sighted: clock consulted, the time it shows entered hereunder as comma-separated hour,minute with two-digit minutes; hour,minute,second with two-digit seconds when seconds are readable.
3,00,35
